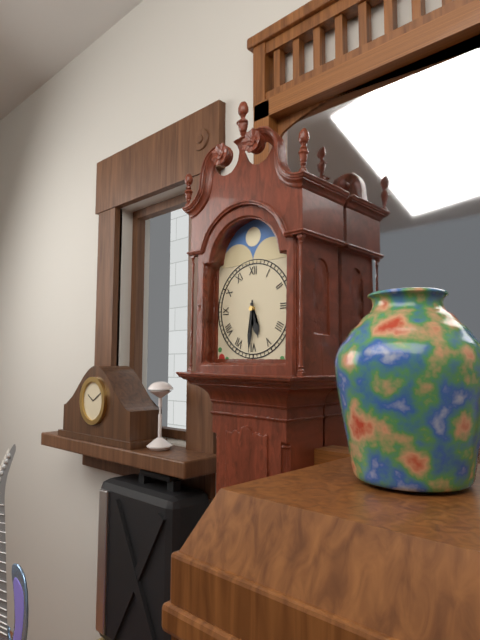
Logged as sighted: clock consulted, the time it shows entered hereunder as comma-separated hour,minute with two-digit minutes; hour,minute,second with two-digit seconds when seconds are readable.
5,31
